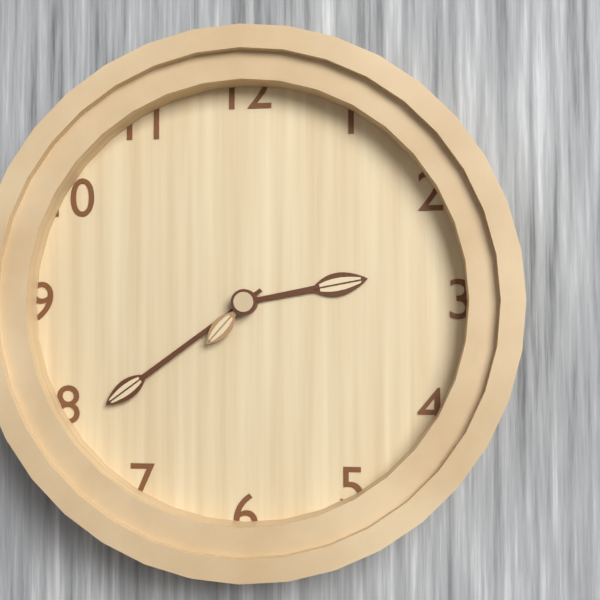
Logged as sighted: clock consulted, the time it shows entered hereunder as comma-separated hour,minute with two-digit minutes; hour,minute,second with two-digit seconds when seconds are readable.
2,39,37
